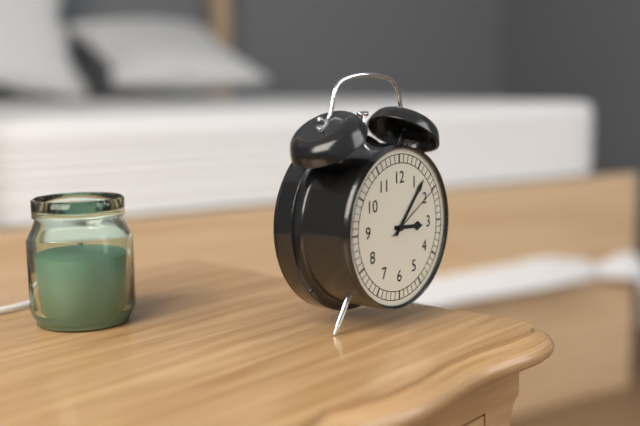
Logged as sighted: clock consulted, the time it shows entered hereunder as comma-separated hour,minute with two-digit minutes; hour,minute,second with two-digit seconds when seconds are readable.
3,07,10
